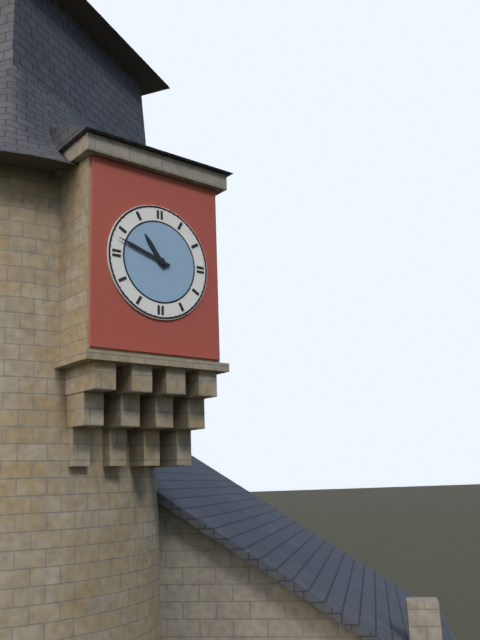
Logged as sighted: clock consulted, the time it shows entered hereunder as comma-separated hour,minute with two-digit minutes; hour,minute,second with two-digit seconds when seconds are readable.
10,48
